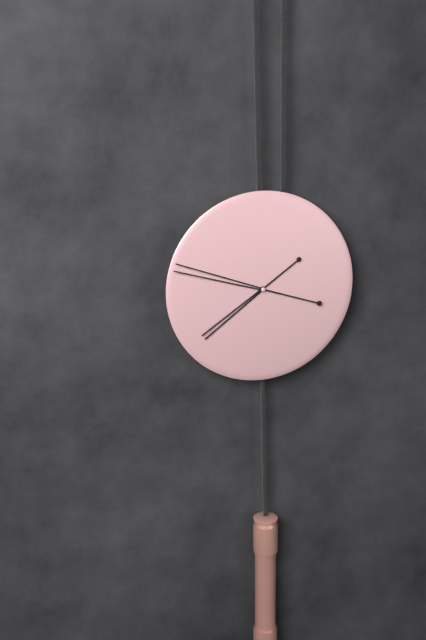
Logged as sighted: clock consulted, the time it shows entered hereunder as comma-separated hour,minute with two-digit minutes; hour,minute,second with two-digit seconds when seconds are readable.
7,48
